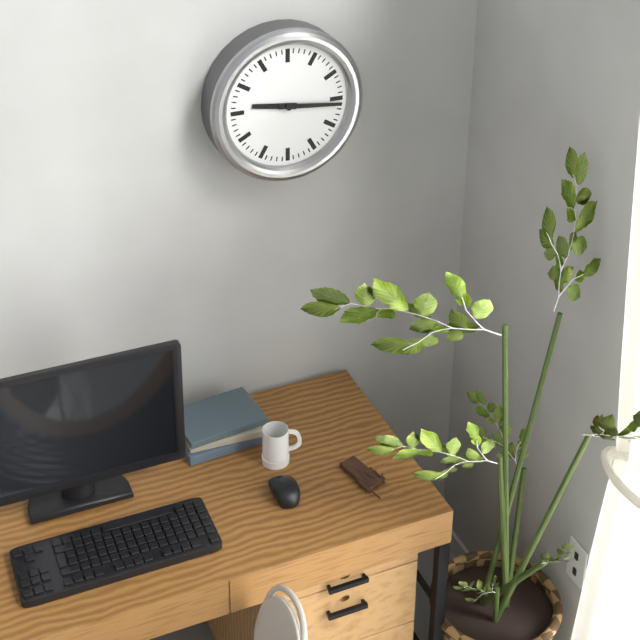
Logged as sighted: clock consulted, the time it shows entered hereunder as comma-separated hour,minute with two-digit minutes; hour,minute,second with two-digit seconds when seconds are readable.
9,16
